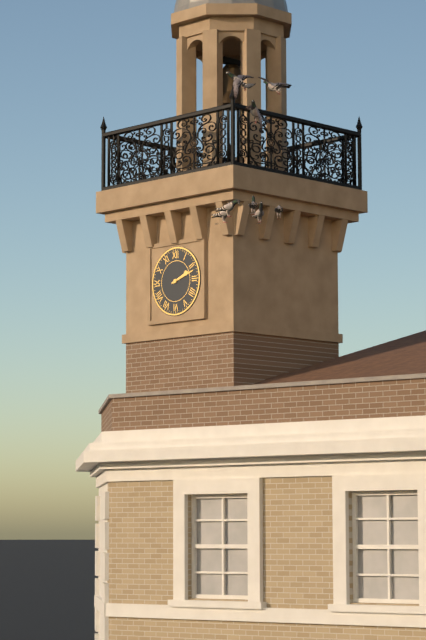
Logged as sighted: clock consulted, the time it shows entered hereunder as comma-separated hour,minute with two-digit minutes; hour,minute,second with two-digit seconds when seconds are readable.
2,12
